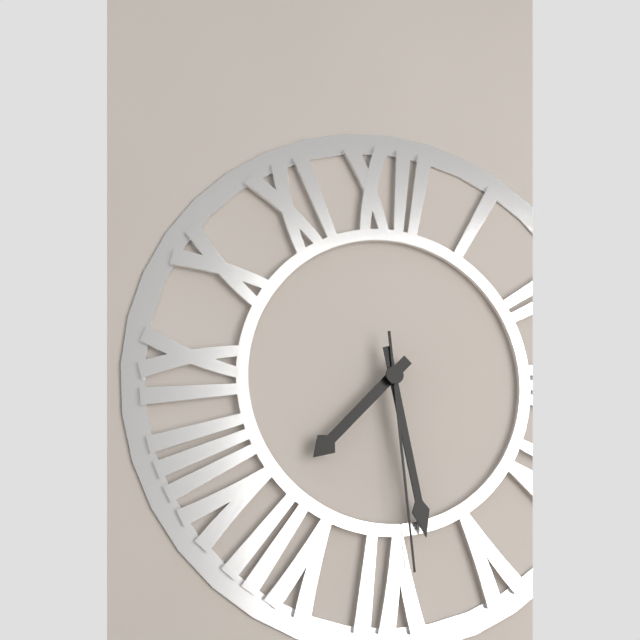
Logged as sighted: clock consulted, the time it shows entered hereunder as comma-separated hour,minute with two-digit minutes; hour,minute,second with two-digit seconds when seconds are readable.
7,28,29
